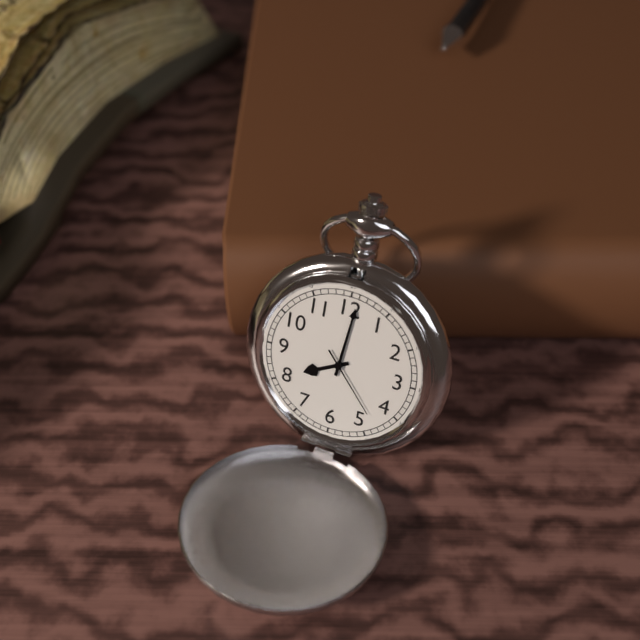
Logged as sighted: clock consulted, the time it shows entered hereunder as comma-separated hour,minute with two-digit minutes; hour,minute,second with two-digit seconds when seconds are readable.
8,01,23
